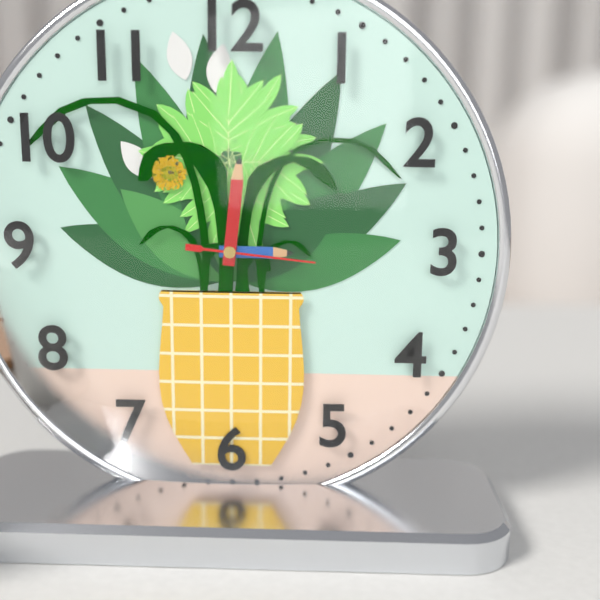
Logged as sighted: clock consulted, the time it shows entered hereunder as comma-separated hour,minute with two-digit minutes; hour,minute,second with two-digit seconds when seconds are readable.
3,01,16
